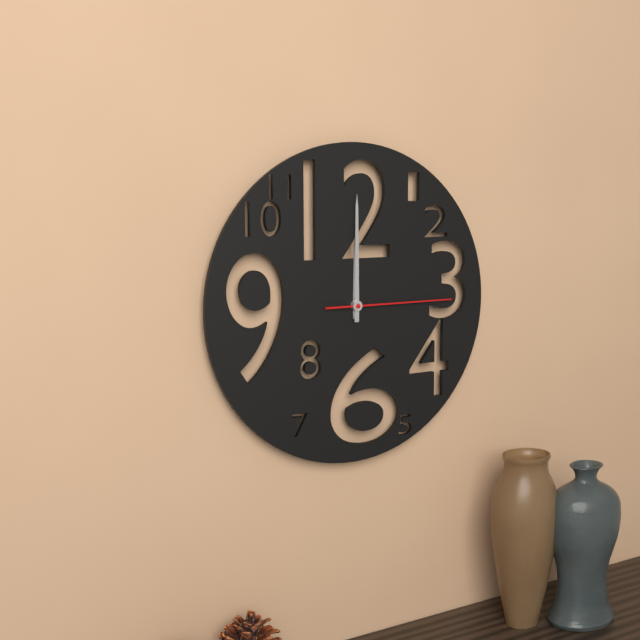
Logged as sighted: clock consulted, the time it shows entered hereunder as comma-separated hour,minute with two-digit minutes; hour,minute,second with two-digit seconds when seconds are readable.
12,00,15
